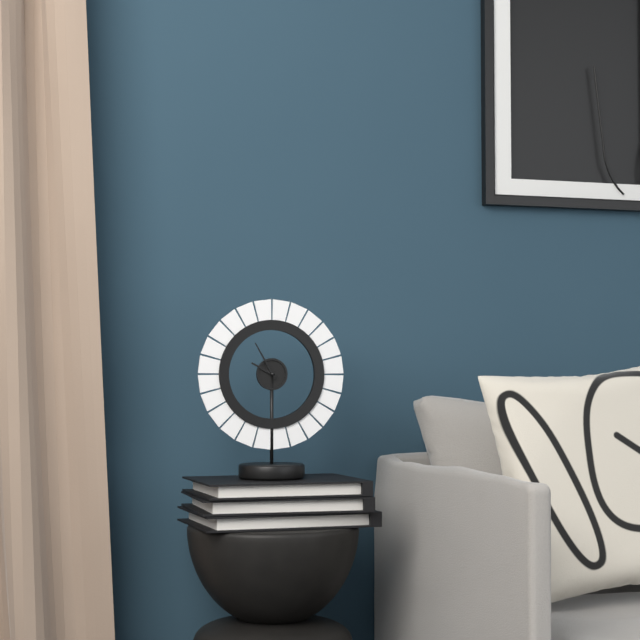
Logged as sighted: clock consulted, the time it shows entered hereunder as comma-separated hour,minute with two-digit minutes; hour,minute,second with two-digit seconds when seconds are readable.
9,55
